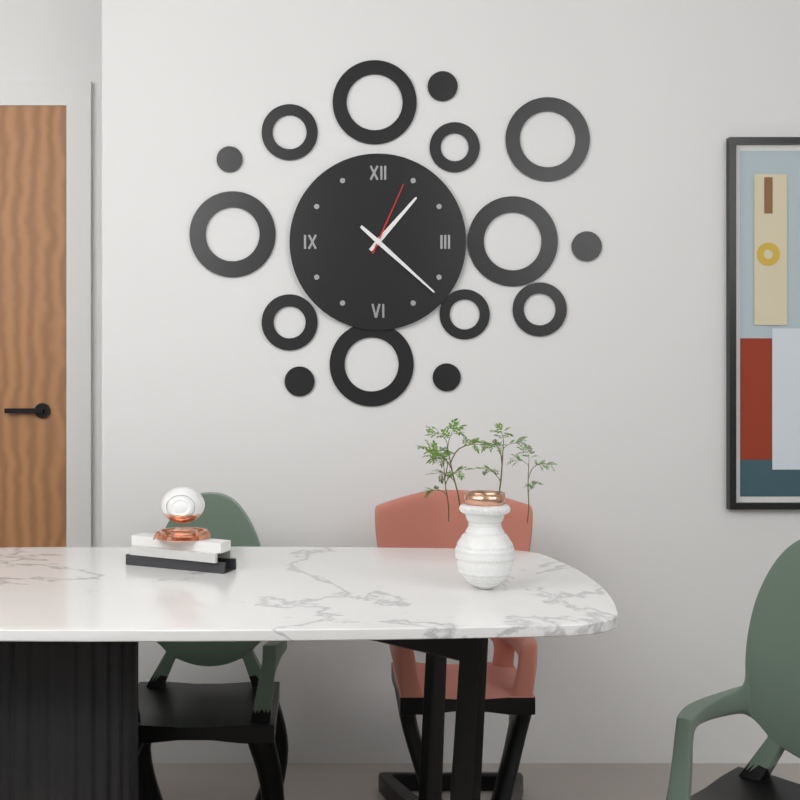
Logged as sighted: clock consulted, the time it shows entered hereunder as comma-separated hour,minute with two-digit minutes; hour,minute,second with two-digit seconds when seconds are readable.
1,22,04
